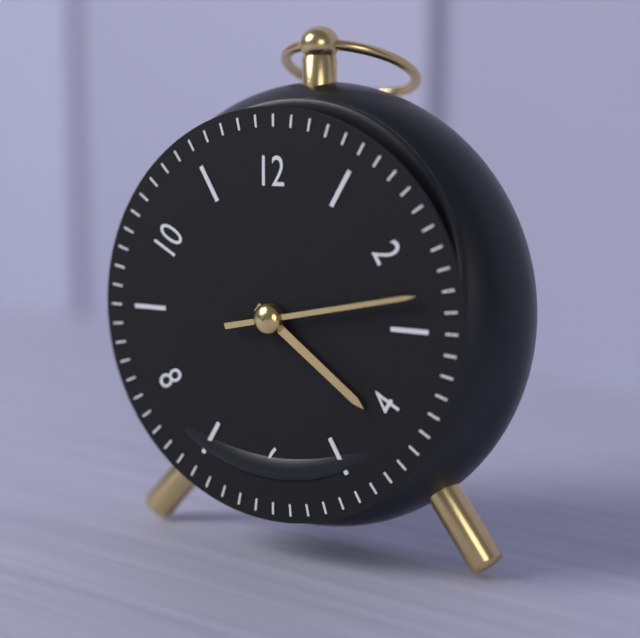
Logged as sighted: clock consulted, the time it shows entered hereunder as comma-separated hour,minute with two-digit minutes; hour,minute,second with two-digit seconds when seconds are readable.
4,13
